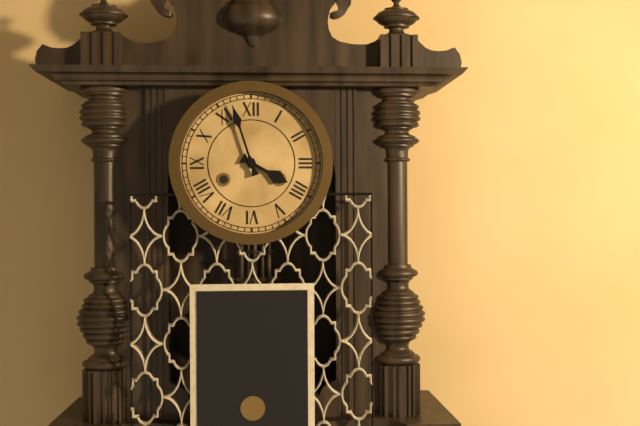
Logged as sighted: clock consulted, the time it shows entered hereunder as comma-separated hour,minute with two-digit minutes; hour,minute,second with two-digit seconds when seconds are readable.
3,57
